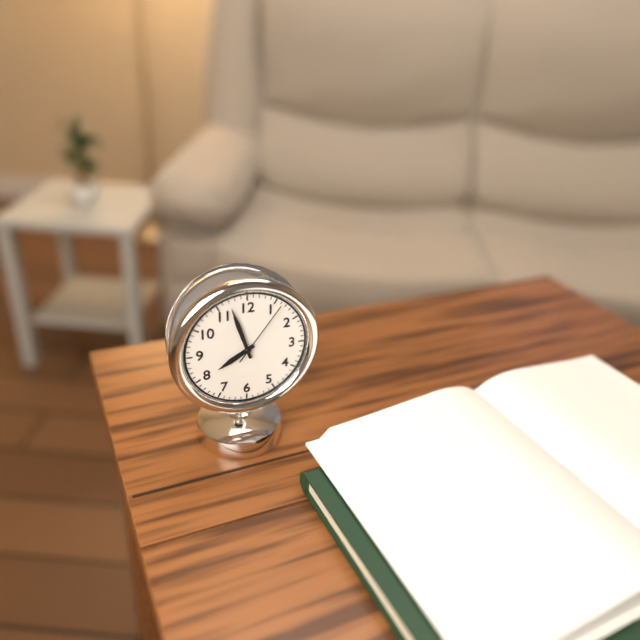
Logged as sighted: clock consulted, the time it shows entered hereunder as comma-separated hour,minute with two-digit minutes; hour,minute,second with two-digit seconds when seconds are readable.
7,57,06
